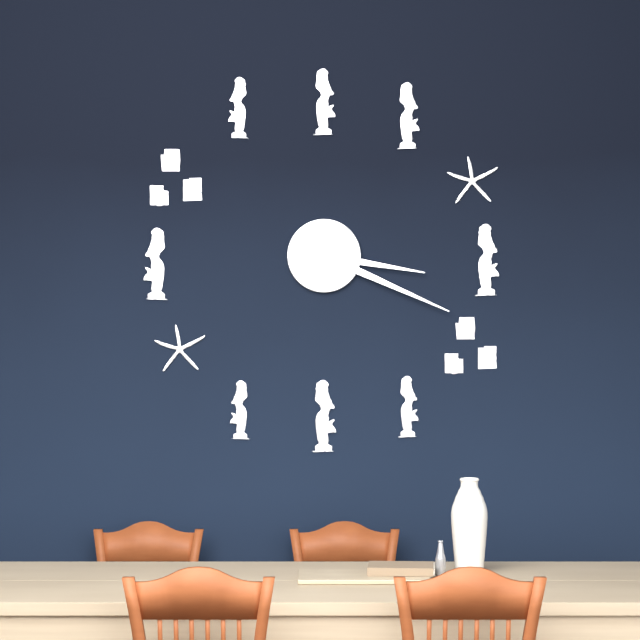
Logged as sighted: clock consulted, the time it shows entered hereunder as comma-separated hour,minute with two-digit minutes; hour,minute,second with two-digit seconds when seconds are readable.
3,19
